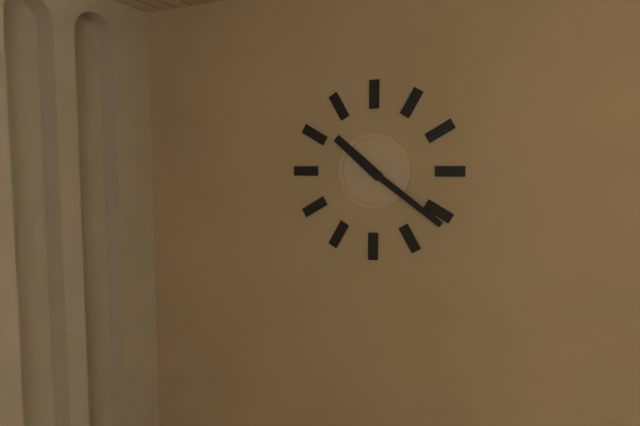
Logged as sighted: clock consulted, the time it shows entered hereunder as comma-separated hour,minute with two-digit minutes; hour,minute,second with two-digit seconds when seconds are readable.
10,21
